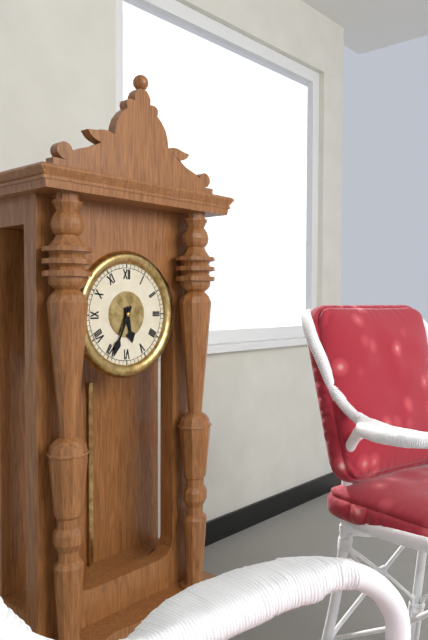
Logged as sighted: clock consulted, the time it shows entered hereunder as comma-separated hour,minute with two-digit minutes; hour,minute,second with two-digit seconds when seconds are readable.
5,34
